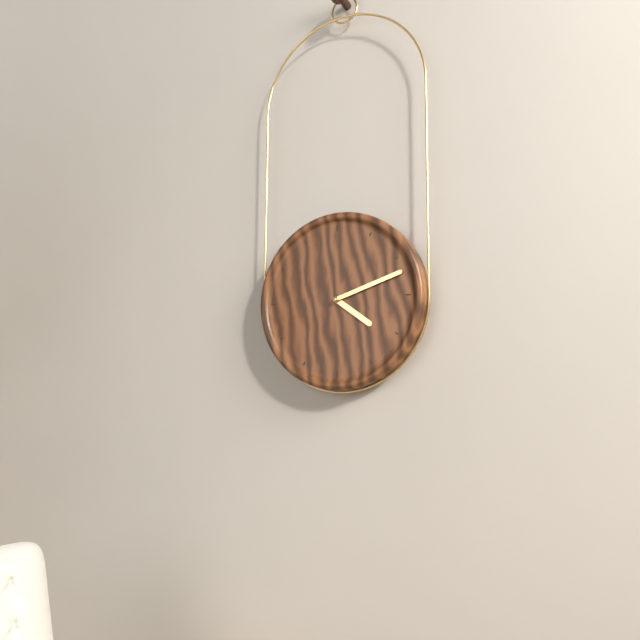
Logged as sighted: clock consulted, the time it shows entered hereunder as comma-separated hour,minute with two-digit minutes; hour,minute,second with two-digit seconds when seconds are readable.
4,12
